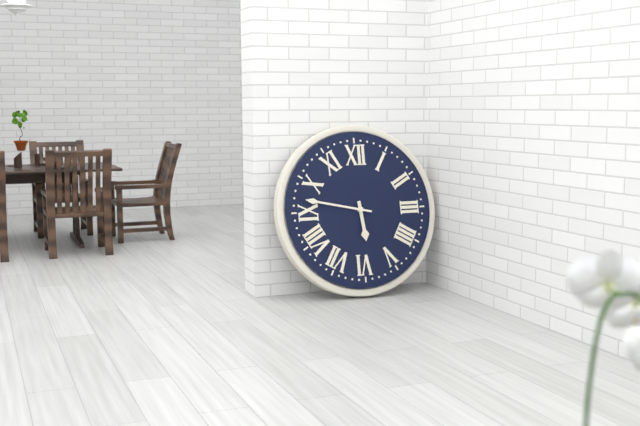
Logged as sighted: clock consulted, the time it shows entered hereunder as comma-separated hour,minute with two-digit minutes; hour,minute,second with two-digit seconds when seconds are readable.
5,47
